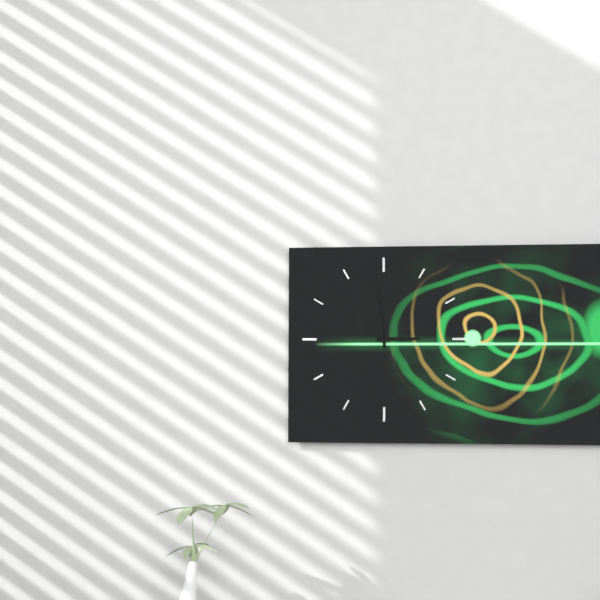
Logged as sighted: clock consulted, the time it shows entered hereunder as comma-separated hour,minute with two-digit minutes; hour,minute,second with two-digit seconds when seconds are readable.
2,59
